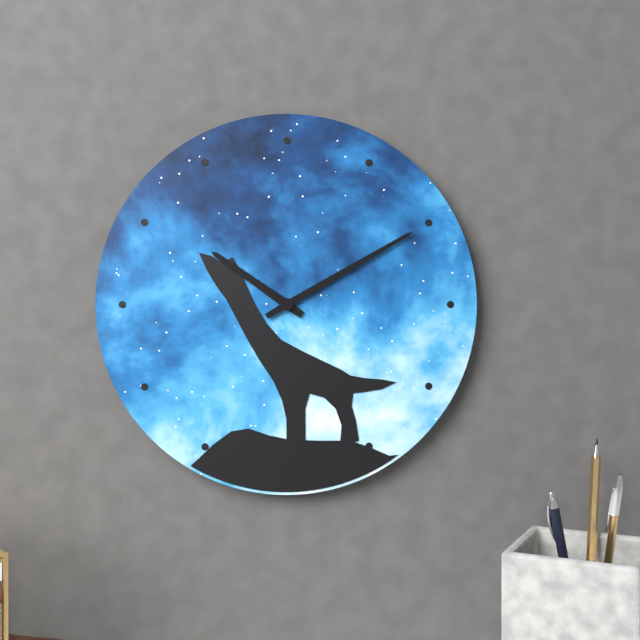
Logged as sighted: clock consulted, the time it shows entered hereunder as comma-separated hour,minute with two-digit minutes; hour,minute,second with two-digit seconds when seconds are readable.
10,10
